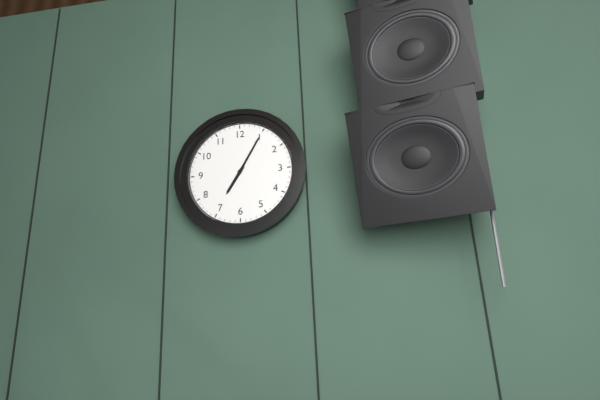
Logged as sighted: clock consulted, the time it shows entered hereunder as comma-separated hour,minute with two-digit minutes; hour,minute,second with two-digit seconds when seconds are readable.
7,05
